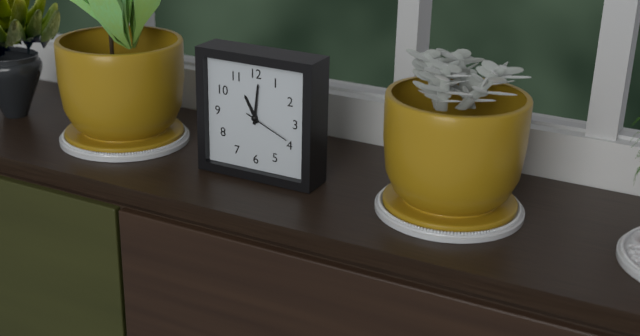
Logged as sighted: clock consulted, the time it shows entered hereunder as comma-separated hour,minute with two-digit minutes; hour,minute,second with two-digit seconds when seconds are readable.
11,01
